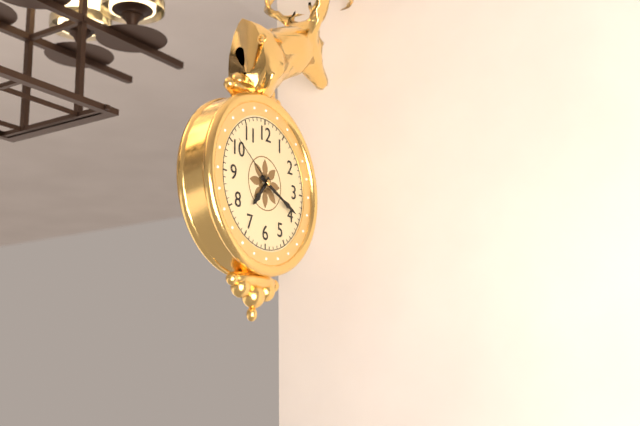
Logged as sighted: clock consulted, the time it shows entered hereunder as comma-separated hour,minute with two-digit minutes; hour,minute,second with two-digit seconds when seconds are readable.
7,19,51
